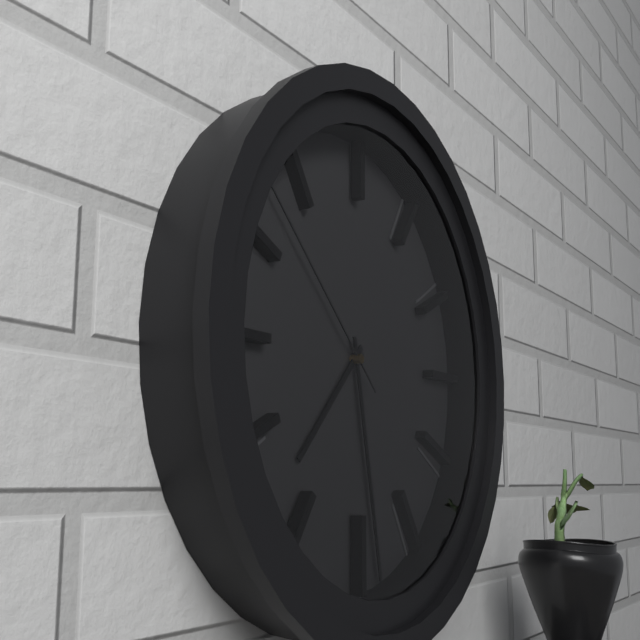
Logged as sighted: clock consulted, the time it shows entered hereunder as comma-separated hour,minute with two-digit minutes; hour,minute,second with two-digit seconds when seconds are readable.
7,28,52
